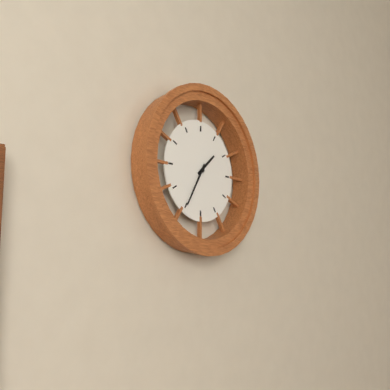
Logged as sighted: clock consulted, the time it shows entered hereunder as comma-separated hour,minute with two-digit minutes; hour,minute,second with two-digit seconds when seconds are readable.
1,35
